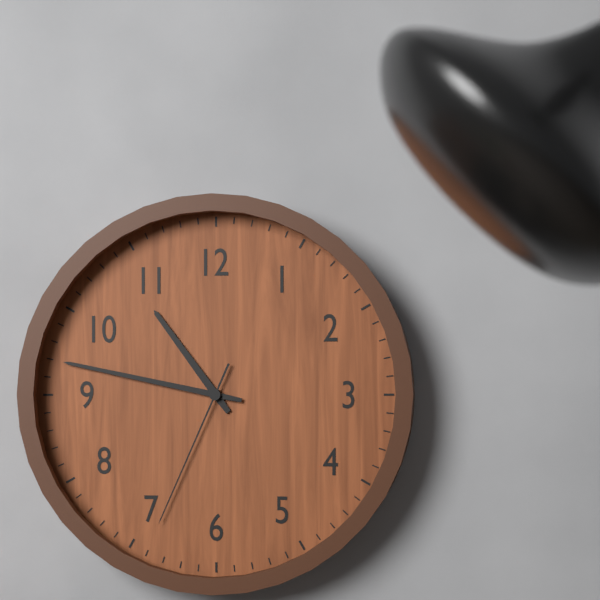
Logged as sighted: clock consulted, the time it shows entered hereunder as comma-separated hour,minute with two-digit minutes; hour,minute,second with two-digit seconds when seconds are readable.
10,47,34
